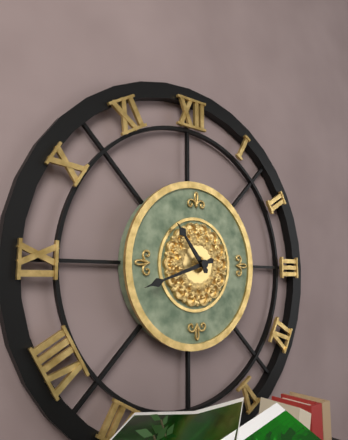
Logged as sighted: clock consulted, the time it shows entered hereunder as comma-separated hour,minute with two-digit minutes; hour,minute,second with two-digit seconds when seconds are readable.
10,42
